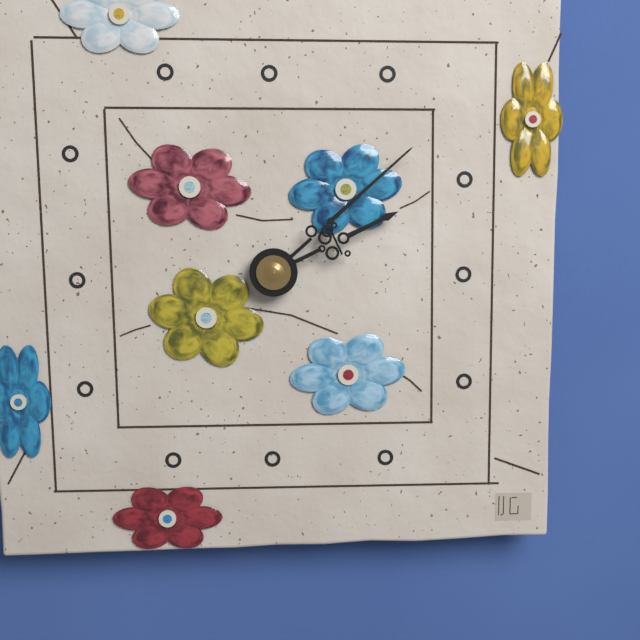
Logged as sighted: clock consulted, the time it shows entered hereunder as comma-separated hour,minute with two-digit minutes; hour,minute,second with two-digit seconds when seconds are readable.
2,08
